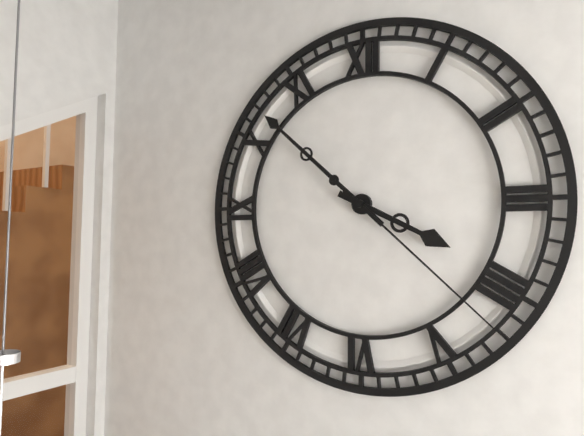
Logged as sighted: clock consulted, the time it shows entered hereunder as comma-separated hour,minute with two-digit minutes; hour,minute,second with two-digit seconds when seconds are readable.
3,52,22
